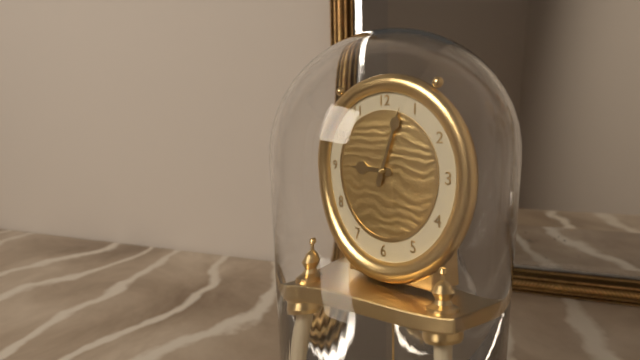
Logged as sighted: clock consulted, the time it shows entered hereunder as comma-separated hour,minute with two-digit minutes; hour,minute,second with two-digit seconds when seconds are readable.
9,03
